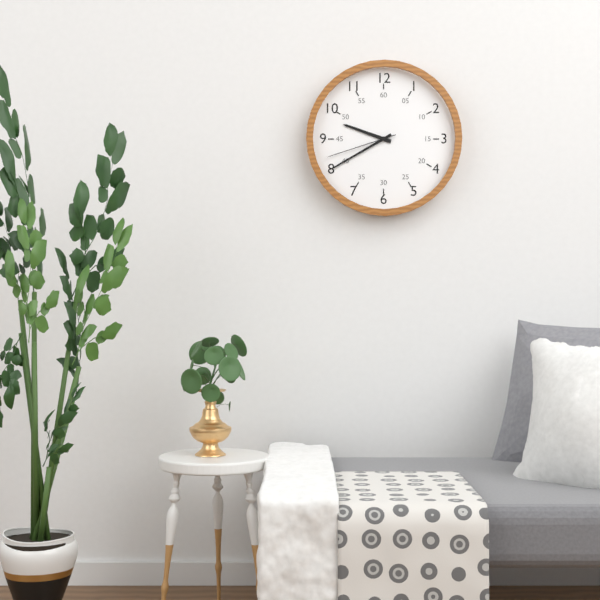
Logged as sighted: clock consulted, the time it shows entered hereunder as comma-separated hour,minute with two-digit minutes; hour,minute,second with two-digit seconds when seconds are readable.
9,40,42
